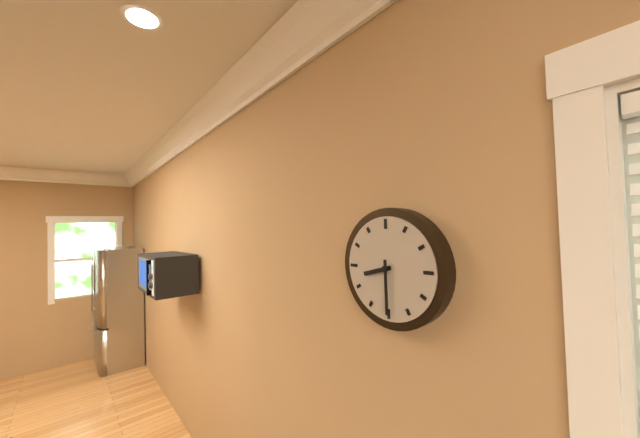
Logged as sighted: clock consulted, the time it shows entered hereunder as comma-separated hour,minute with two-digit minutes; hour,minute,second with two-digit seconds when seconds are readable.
8,30
